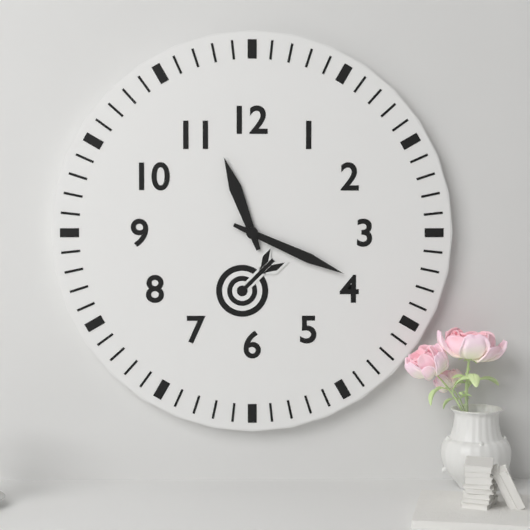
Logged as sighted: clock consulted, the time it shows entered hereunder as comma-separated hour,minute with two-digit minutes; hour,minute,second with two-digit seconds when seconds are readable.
11,19
